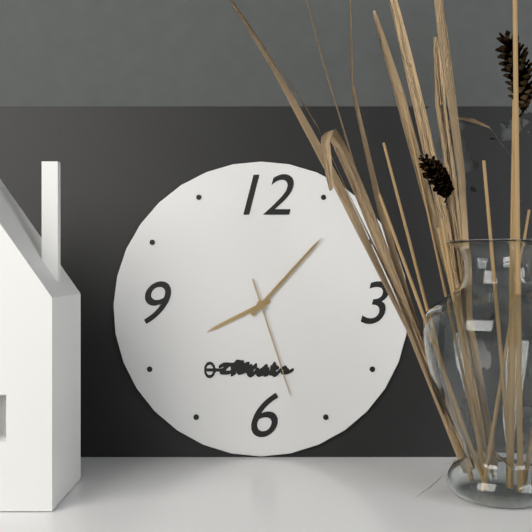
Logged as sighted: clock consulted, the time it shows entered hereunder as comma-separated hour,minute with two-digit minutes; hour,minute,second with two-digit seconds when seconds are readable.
8,07,27
